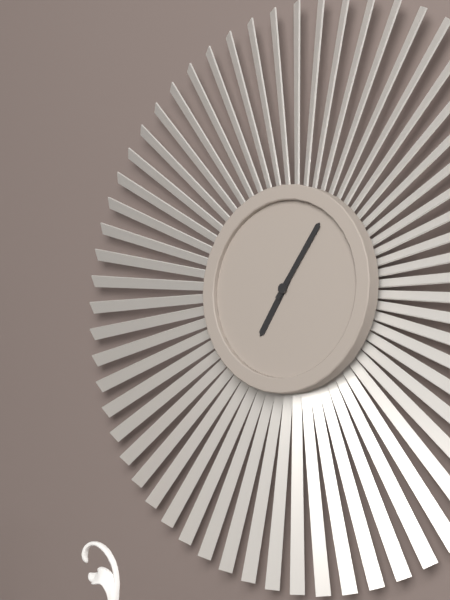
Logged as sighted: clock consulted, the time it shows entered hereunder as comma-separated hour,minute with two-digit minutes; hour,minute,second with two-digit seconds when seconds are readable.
7,06
